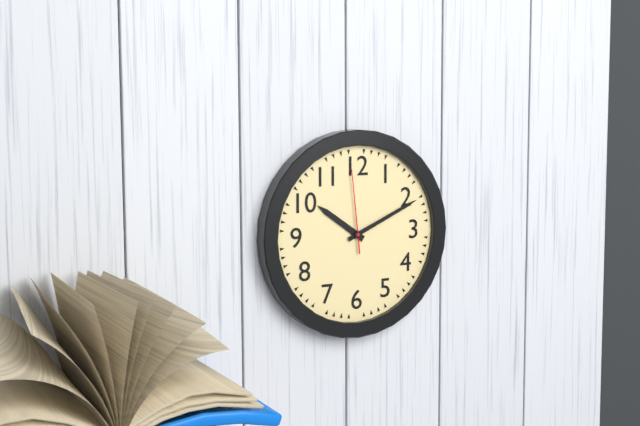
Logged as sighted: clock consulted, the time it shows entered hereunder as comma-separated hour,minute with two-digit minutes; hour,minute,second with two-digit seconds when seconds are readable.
10,11,59
